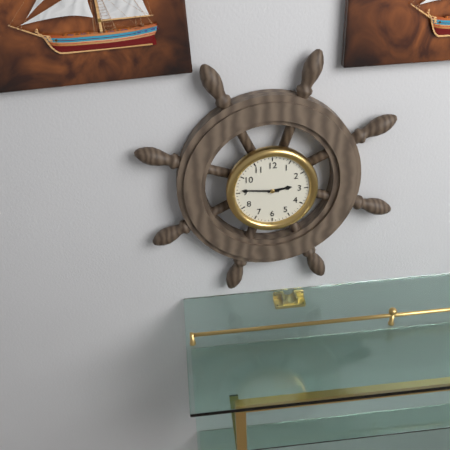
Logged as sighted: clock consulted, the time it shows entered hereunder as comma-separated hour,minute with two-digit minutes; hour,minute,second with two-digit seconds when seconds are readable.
2,46
